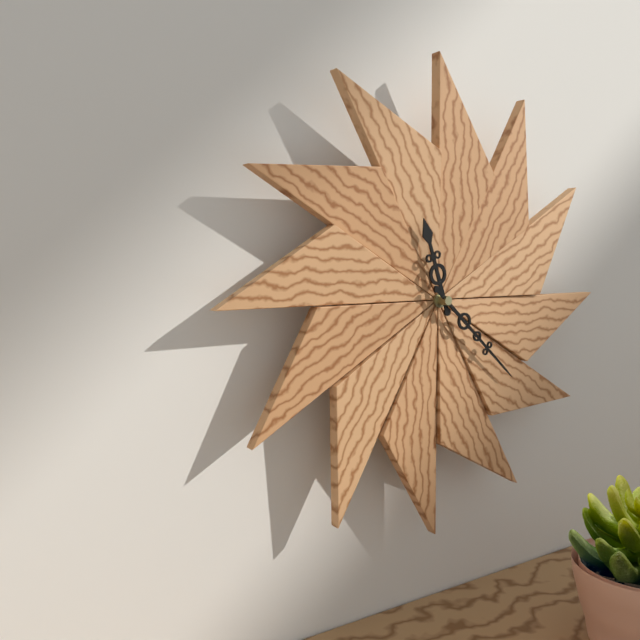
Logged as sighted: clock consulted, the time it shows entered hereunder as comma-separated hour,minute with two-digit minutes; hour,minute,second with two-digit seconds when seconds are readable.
11,22
